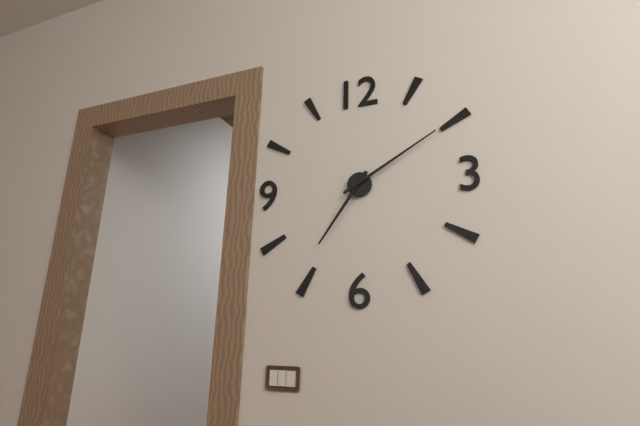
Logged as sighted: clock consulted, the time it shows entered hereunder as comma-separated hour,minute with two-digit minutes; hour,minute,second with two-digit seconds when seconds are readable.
7,10
